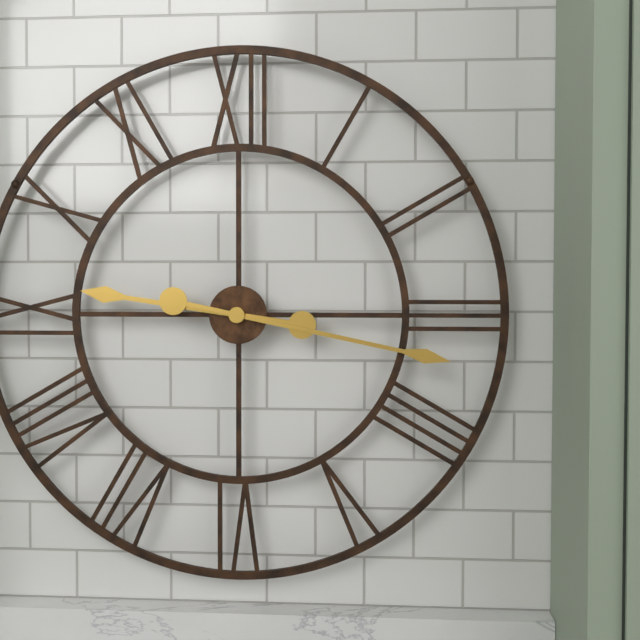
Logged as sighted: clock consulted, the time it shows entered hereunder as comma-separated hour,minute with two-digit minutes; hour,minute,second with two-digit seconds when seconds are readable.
9,17
